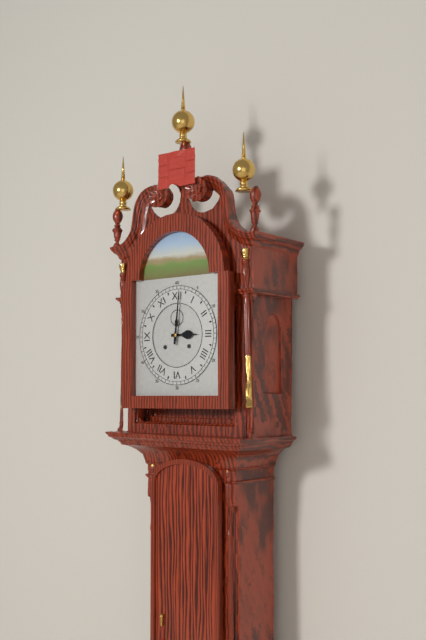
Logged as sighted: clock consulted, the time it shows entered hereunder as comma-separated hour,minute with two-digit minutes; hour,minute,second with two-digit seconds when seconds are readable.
3,01
